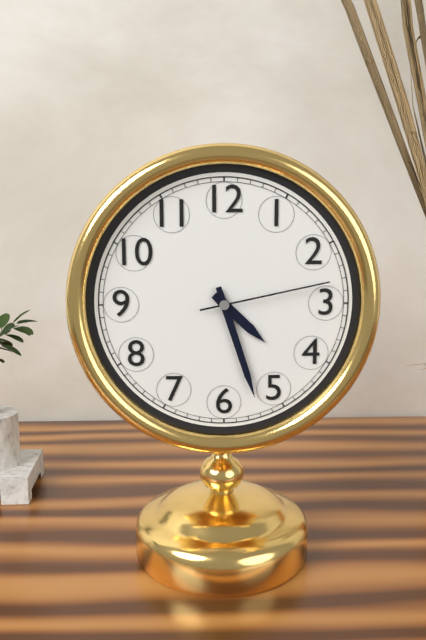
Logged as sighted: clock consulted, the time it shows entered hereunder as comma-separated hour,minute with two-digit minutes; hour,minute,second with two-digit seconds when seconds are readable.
4,27,13
